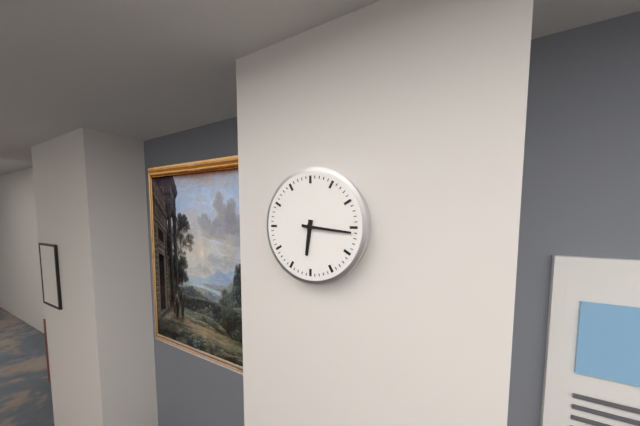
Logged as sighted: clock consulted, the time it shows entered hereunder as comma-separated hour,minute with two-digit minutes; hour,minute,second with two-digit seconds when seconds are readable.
6,16
